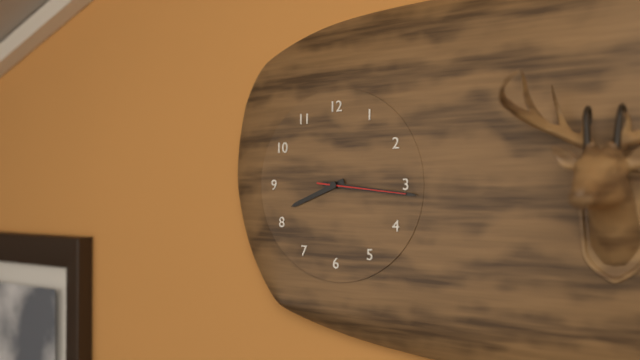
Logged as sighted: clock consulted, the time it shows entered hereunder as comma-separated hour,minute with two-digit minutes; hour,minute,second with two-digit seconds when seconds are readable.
8,16,16
